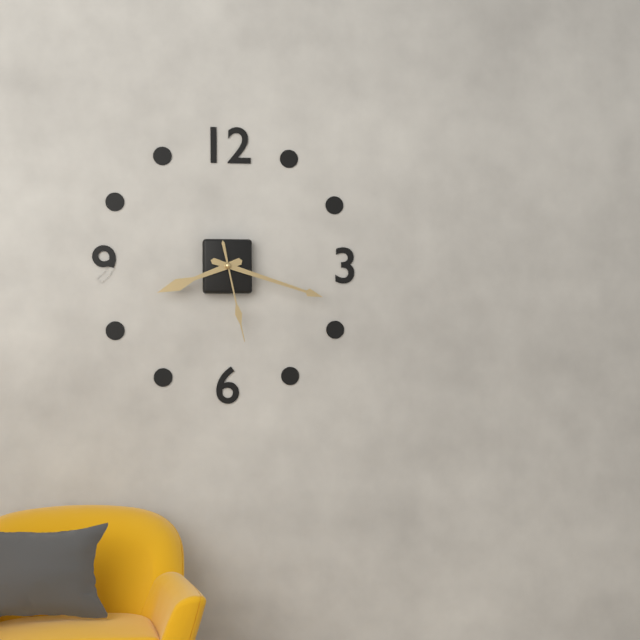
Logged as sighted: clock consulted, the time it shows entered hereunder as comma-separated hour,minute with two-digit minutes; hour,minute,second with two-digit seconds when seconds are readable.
8,18,28
